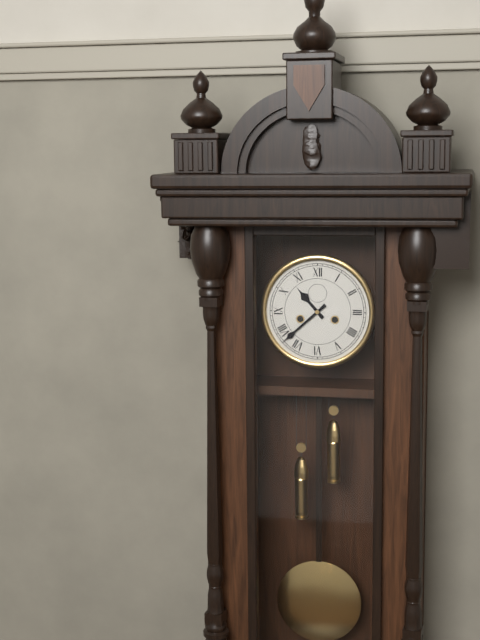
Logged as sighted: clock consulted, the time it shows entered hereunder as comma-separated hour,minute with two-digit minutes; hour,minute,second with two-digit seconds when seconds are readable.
10,38
